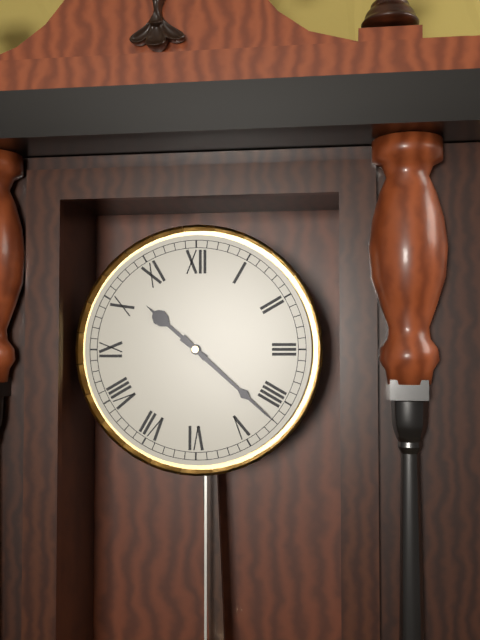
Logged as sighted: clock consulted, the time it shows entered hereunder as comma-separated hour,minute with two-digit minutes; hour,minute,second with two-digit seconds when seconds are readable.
10,22
